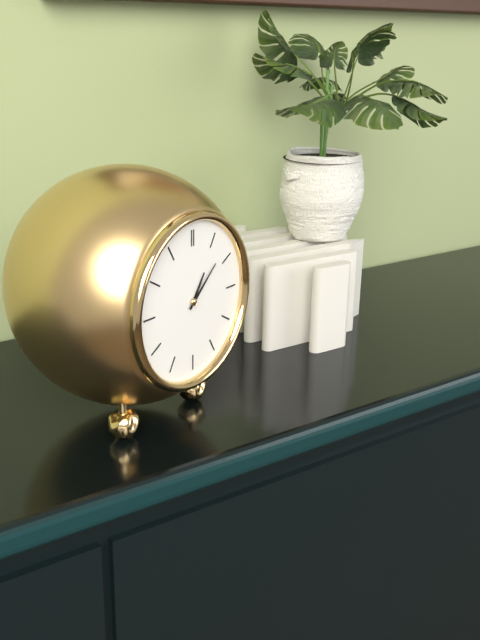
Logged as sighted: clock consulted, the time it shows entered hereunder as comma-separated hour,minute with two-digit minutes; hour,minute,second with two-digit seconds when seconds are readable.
1,08
